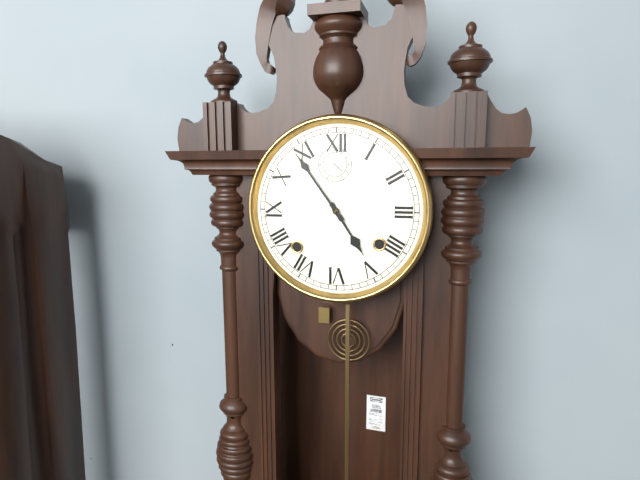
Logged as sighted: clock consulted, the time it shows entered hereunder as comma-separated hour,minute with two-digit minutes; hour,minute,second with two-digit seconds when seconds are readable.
4,54
